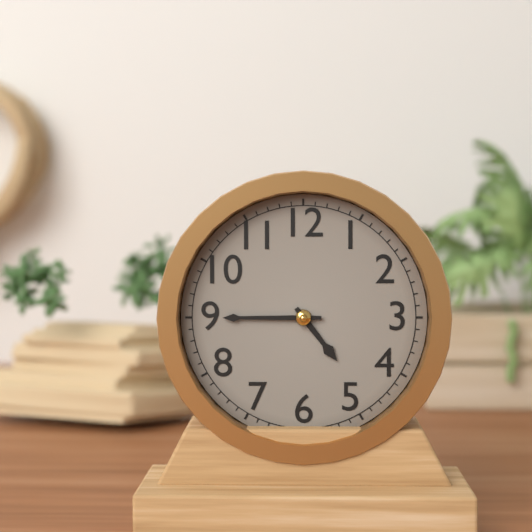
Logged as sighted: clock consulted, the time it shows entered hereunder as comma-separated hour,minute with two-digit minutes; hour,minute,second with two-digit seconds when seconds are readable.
4,45
